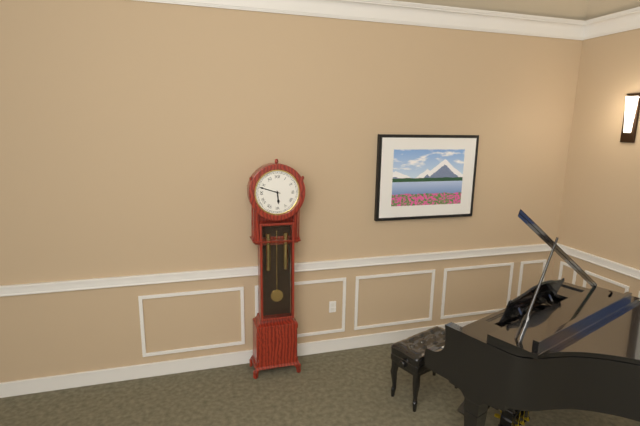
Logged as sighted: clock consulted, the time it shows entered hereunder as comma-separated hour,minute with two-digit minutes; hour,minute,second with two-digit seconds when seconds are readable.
5,48
